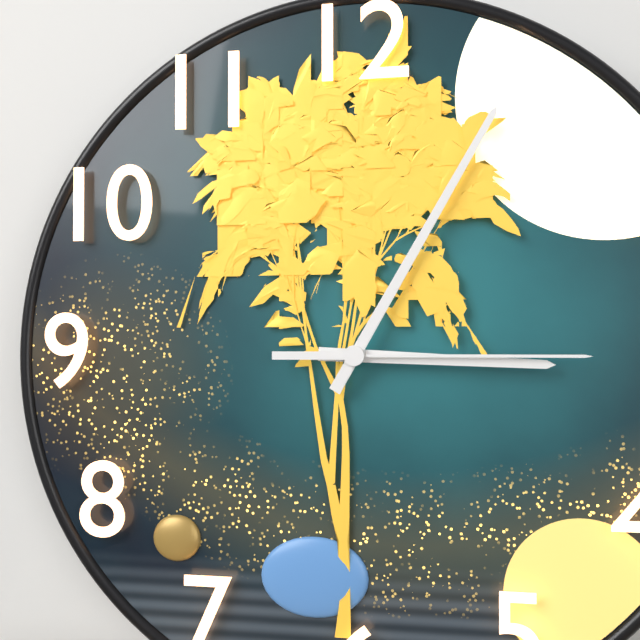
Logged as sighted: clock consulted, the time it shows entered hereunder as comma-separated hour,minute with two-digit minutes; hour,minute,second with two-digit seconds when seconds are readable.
3,05,15
